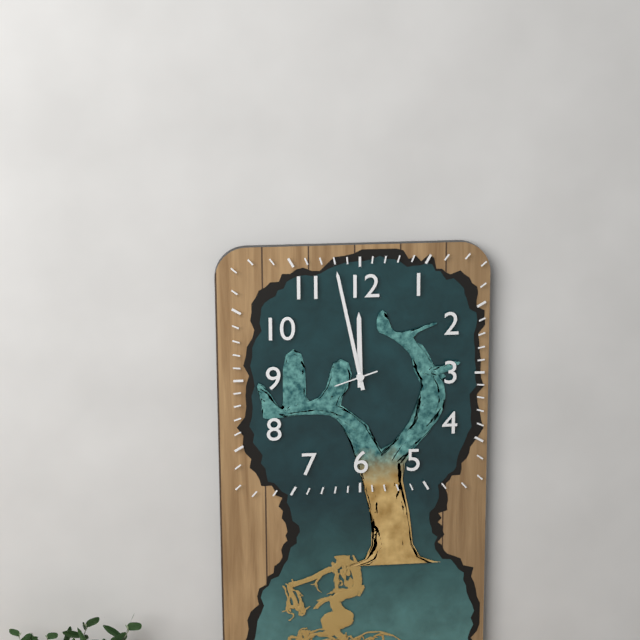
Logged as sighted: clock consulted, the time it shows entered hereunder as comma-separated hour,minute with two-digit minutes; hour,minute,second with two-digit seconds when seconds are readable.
11,58
